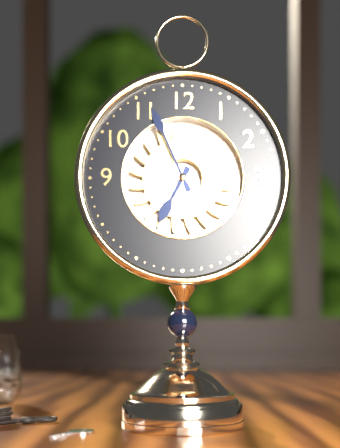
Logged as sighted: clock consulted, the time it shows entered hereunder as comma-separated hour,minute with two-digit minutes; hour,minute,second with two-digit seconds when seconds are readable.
6,56
